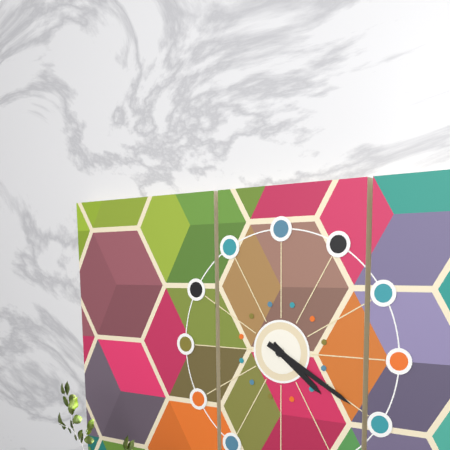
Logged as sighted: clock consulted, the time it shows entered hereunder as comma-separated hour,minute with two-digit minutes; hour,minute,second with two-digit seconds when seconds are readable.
4,20
